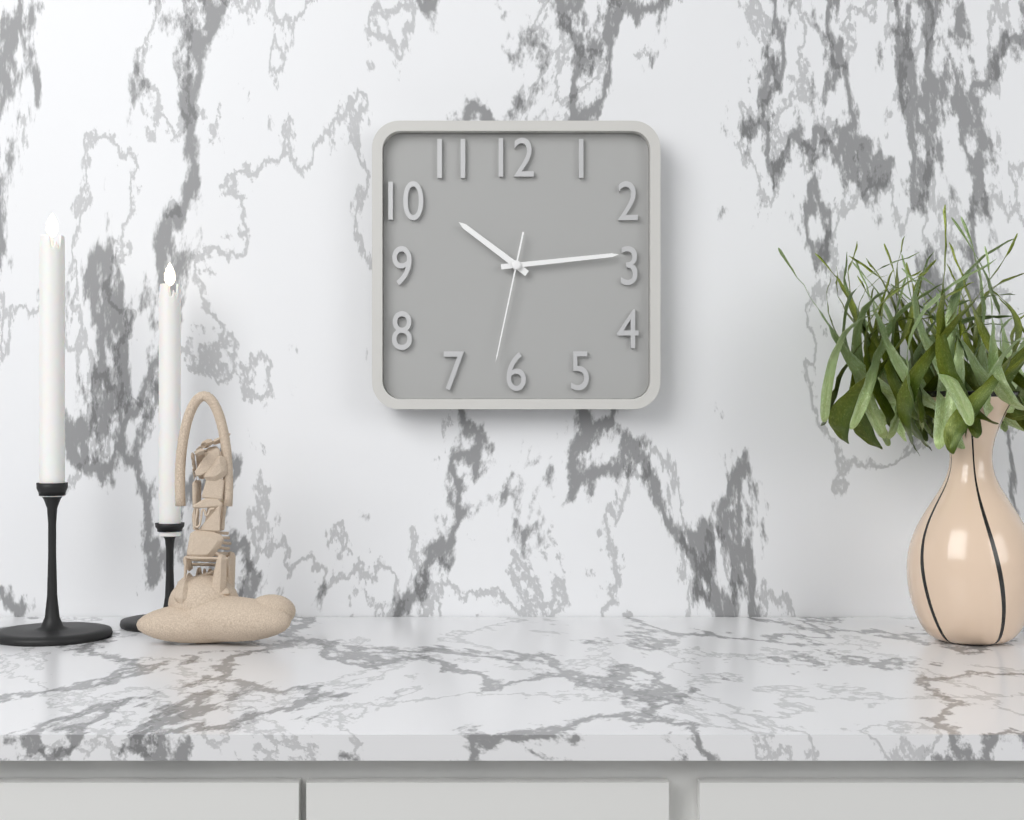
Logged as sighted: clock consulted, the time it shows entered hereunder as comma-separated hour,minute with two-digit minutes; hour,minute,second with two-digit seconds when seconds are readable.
10,14,32
